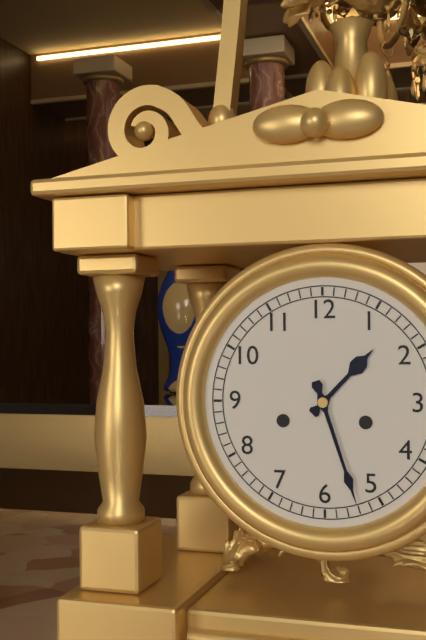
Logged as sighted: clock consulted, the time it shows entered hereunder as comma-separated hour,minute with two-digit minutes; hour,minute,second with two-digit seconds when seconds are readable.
1,27
